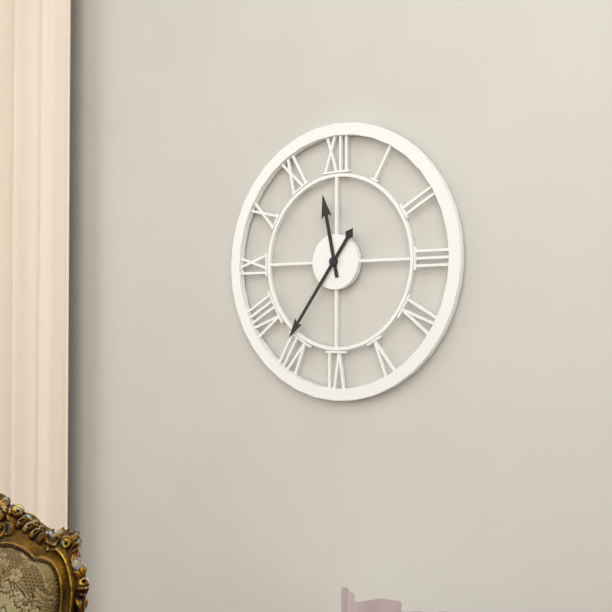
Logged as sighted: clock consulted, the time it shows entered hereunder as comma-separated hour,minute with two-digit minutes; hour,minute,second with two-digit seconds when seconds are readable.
11,36
